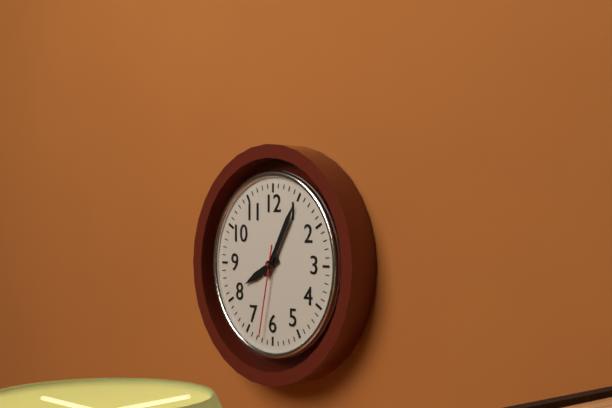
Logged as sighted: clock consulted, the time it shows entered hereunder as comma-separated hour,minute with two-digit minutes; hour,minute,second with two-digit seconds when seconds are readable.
8,05,32
